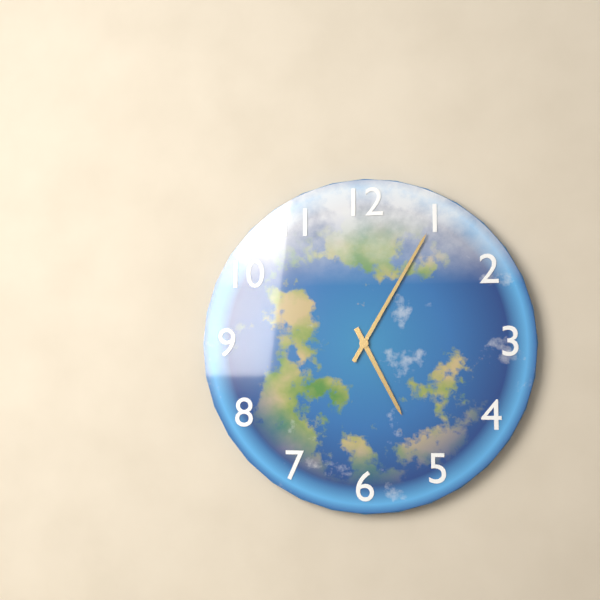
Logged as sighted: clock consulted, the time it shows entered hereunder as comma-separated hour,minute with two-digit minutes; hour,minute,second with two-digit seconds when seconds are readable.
5,05
